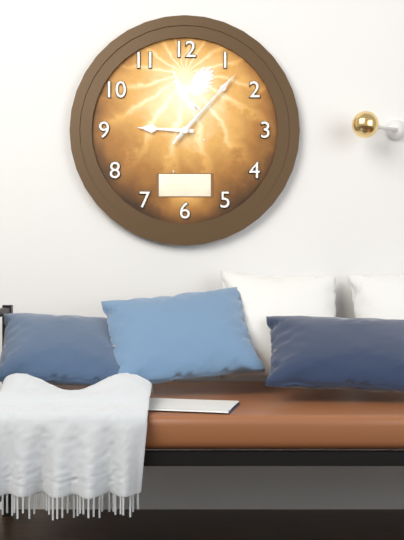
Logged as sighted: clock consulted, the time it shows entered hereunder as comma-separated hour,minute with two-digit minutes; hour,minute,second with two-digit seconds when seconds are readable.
9,07,07
